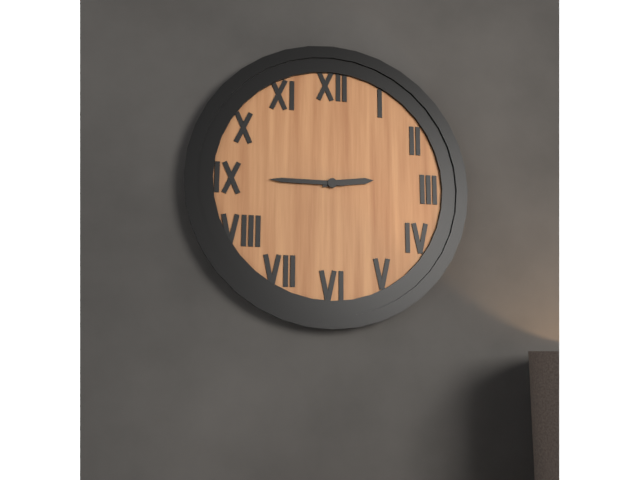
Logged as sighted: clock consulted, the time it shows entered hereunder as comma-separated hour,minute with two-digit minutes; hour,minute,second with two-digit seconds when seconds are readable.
2,45
